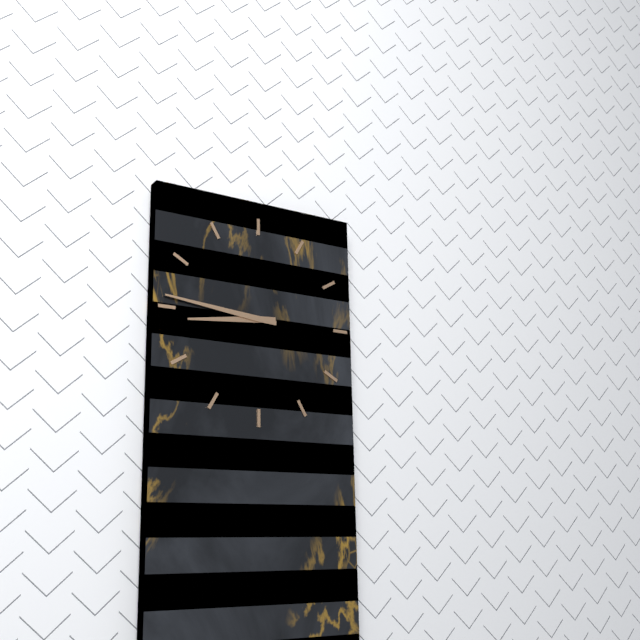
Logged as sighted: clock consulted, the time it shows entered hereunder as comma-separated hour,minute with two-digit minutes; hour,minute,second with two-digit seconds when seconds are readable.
8,46
